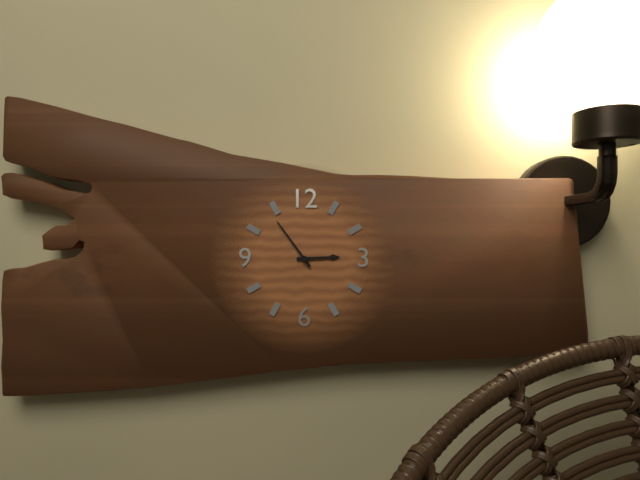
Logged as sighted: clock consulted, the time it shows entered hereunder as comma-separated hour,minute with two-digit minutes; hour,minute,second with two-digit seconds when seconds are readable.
2,54
